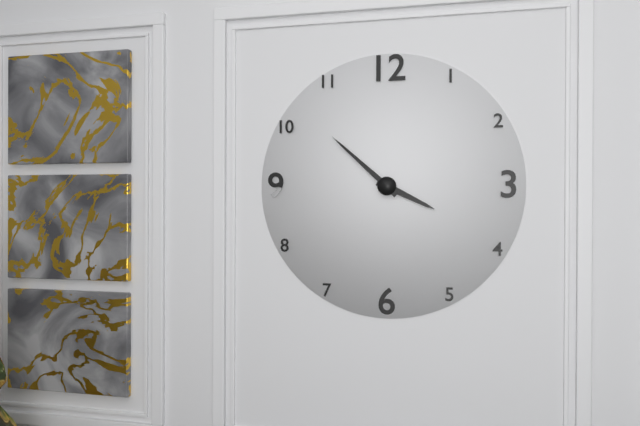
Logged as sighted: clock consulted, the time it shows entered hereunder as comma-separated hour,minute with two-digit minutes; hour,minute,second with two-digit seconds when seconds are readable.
3,52
